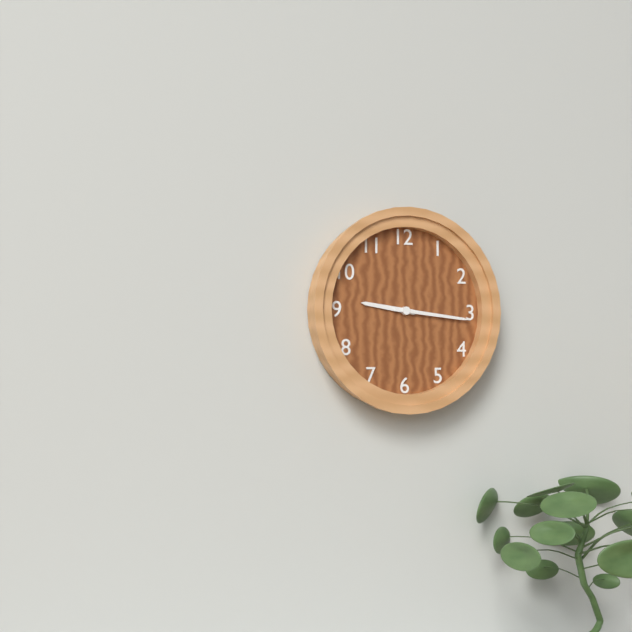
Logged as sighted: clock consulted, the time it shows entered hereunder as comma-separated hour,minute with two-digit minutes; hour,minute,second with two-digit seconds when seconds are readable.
9,16
